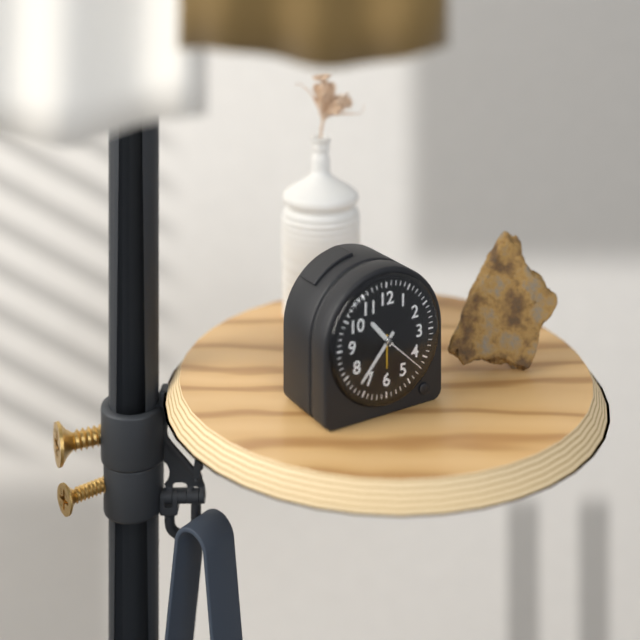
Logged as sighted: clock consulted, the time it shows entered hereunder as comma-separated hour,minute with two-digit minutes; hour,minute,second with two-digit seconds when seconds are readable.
10,37,22
